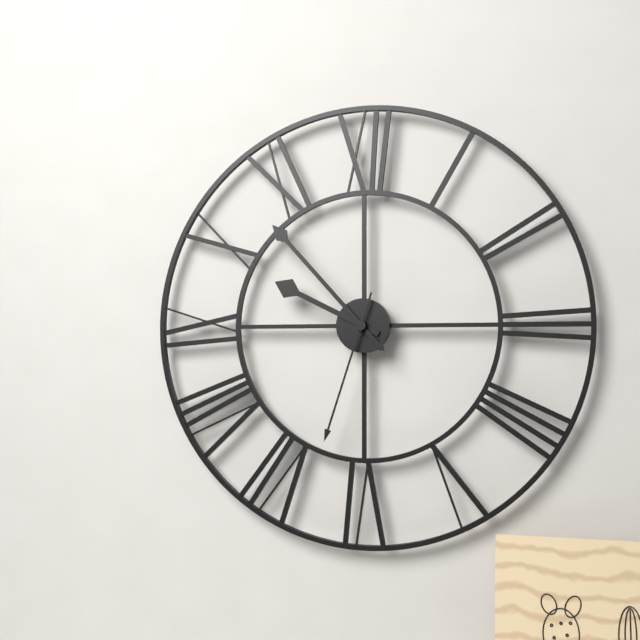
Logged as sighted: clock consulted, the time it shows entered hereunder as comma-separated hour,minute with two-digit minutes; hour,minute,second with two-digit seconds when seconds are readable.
9,53,33
